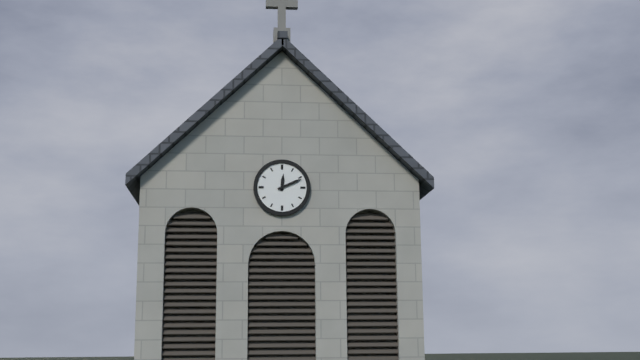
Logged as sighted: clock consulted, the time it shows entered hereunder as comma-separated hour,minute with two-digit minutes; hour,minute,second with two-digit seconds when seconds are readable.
12,11
